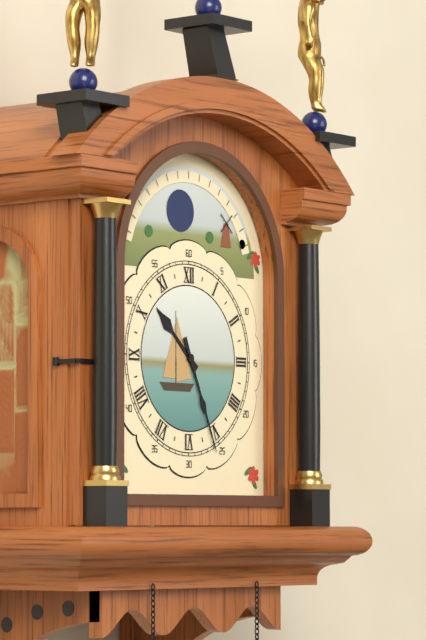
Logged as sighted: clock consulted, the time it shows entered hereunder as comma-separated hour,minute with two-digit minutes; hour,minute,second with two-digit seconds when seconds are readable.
10,26
